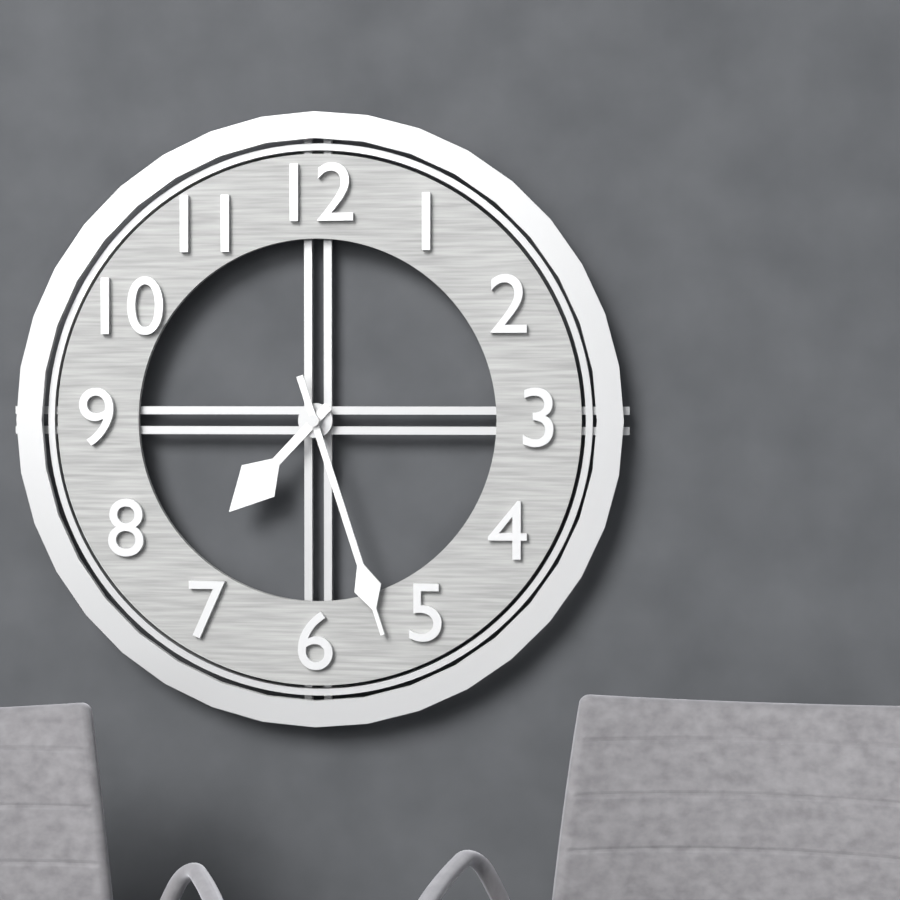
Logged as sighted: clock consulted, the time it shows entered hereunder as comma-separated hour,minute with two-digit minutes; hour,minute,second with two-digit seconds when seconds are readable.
7,27
